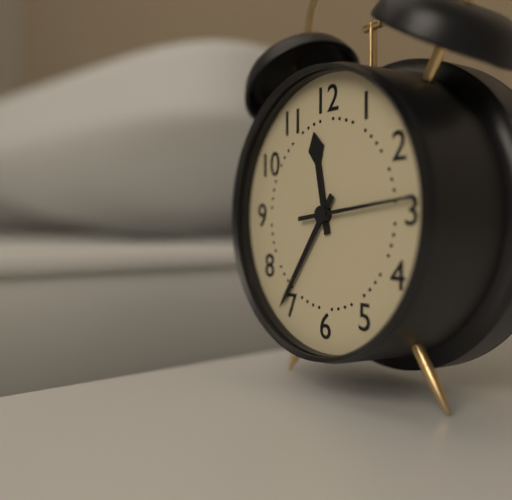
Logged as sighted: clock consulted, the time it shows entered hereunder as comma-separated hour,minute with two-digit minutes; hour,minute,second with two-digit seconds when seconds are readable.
11,36,14
